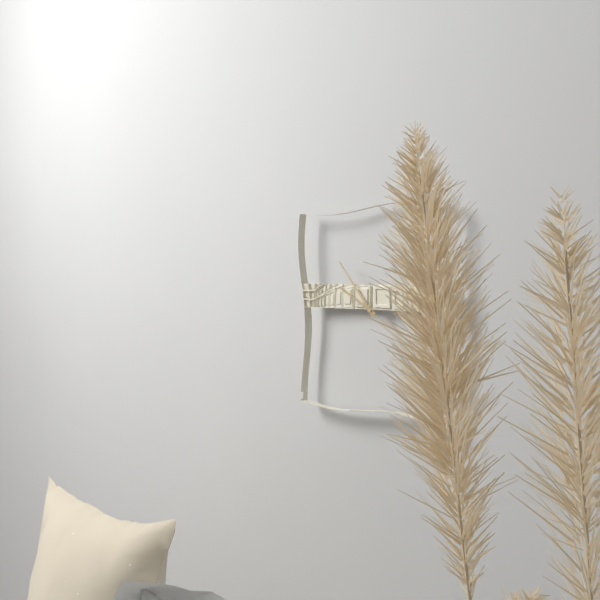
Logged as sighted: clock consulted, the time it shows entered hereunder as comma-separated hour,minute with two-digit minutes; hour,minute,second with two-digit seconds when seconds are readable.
9,53
